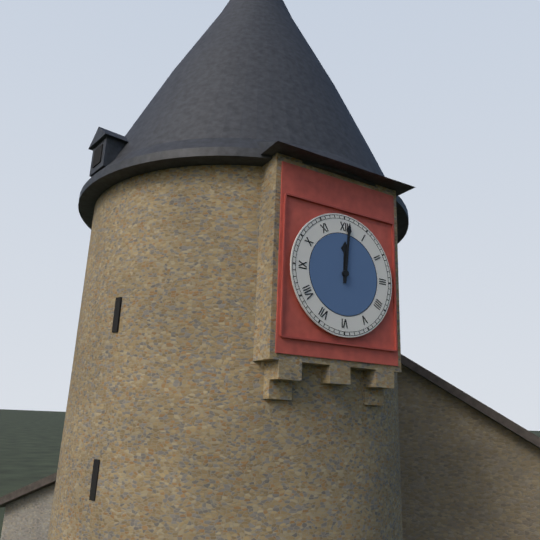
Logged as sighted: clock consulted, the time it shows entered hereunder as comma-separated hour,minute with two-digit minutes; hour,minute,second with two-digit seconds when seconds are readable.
12,01
